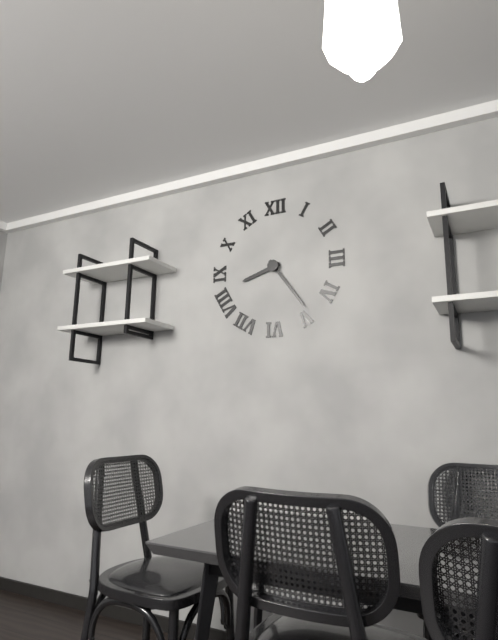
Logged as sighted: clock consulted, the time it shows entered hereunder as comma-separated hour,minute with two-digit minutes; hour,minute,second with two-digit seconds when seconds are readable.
8,24
